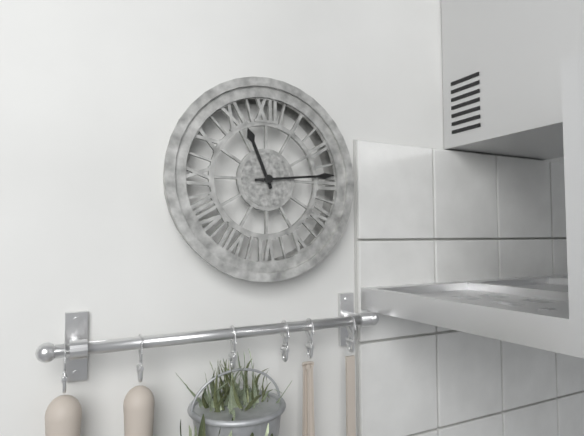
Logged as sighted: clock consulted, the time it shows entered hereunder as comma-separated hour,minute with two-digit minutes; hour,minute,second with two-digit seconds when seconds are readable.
11,14
